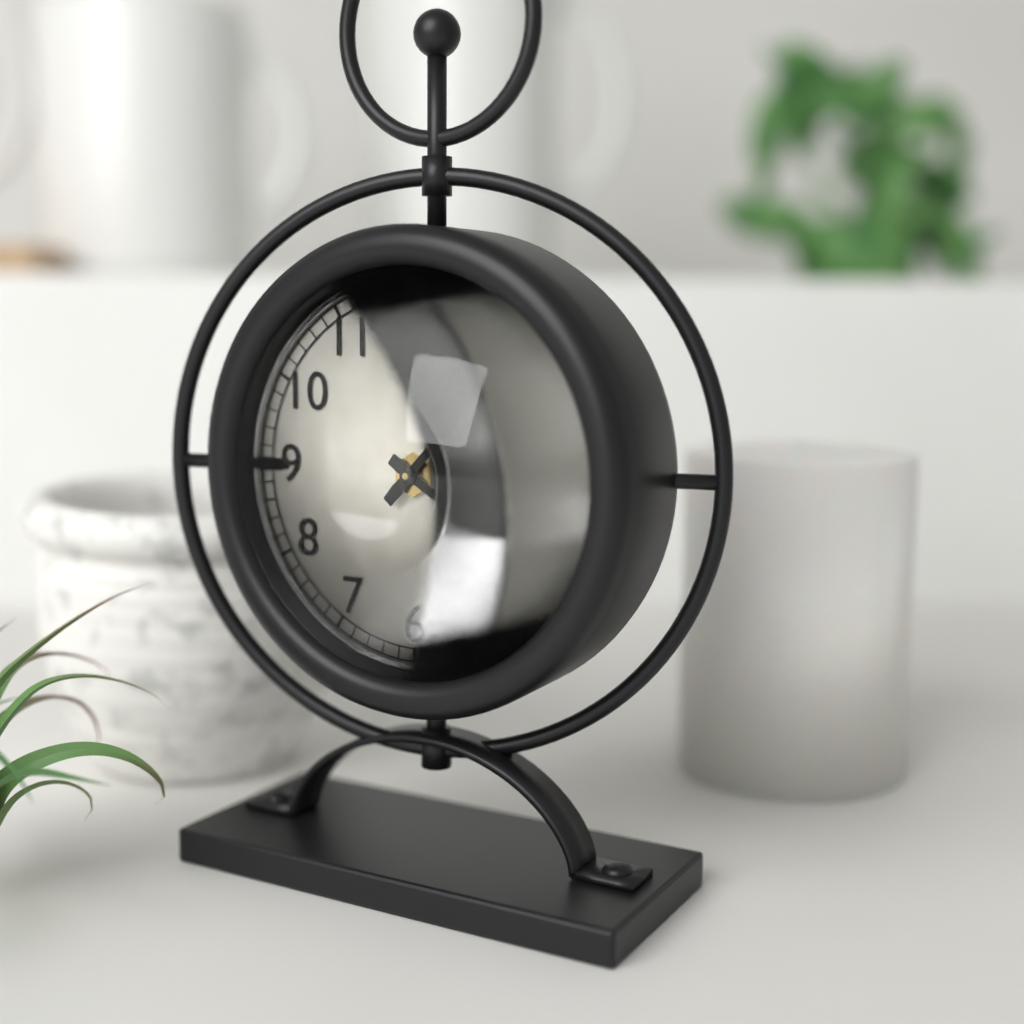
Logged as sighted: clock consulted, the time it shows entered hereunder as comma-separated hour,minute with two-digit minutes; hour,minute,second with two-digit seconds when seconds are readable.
4,07
